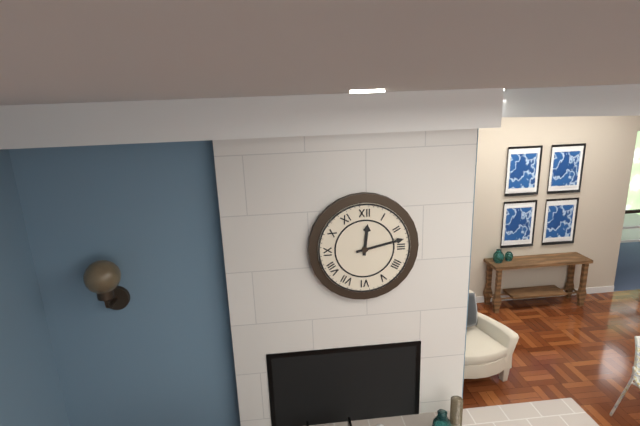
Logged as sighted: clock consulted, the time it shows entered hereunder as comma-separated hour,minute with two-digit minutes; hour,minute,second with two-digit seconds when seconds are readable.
12,13
